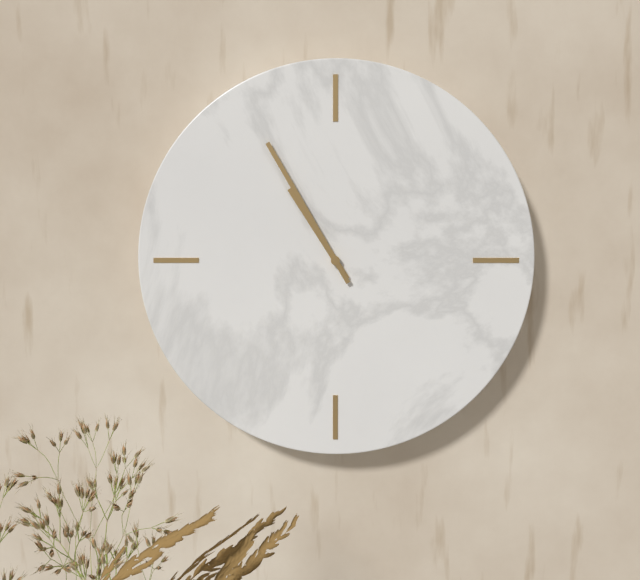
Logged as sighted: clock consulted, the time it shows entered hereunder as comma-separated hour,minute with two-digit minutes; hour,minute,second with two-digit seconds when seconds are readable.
10,55
